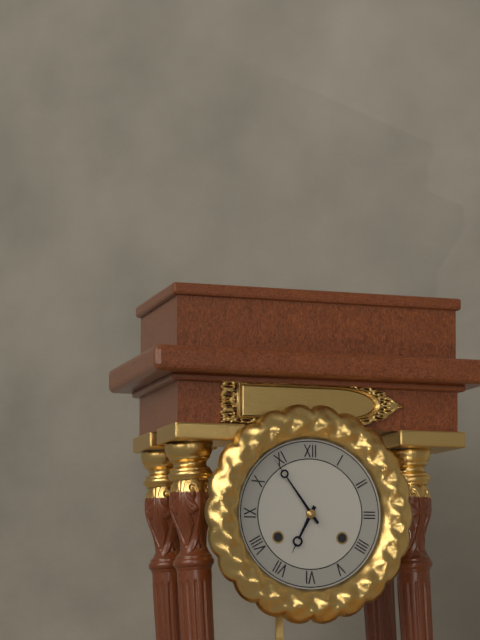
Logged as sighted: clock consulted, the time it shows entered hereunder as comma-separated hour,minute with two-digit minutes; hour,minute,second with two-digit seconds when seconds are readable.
6,54
